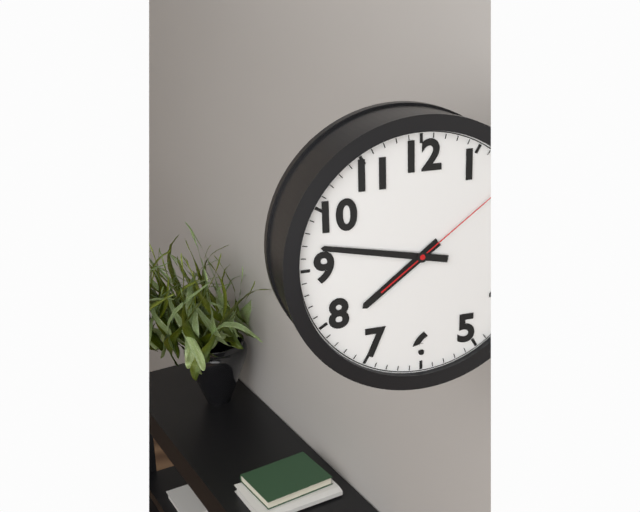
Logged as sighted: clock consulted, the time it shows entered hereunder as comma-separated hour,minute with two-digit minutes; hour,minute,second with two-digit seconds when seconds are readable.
7,47,09
